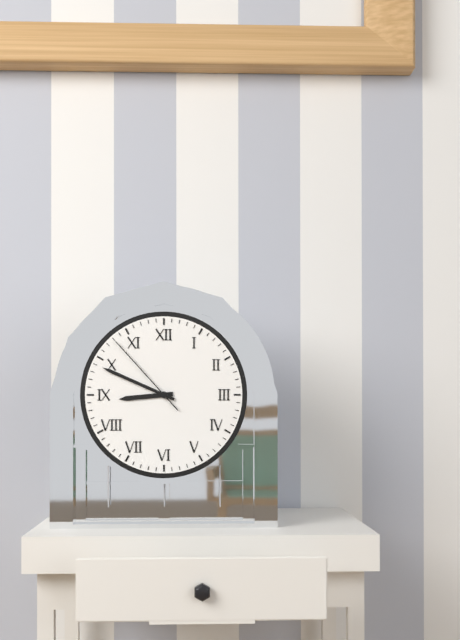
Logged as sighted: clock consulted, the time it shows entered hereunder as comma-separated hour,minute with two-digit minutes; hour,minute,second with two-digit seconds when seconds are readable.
8,49,53
